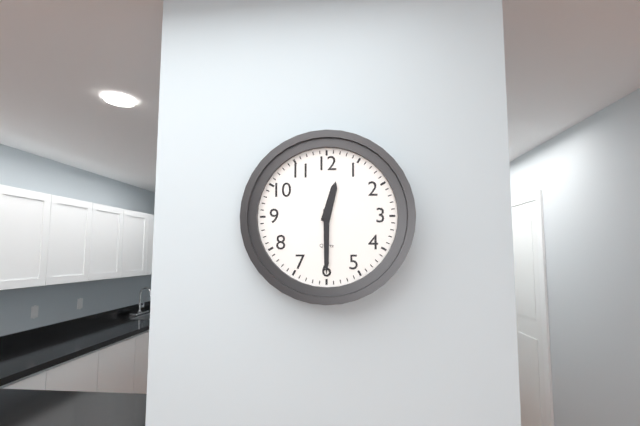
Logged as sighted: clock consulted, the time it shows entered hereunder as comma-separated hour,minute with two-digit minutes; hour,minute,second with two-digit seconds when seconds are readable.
12,30
